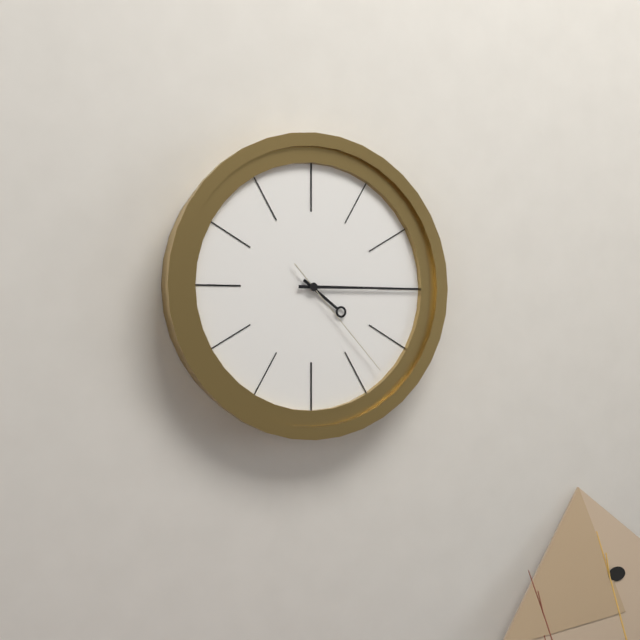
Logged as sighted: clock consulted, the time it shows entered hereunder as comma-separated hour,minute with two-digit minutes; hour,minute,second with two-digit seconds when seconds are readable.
4,15,23
